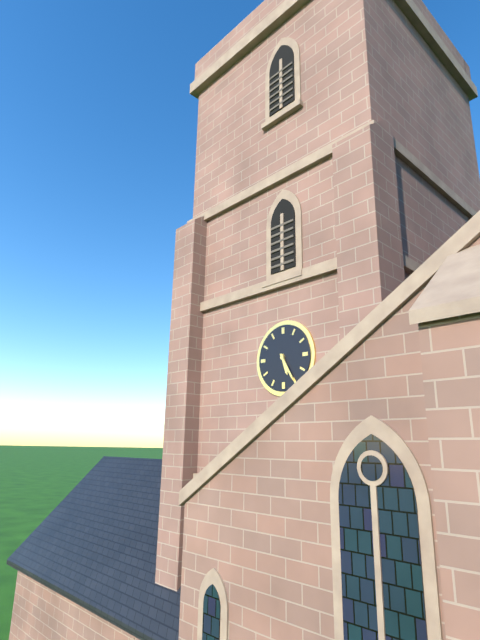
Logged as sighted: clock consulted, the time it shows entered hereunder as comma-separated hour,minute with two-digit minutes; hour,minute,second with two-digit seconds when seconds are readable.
5,25
